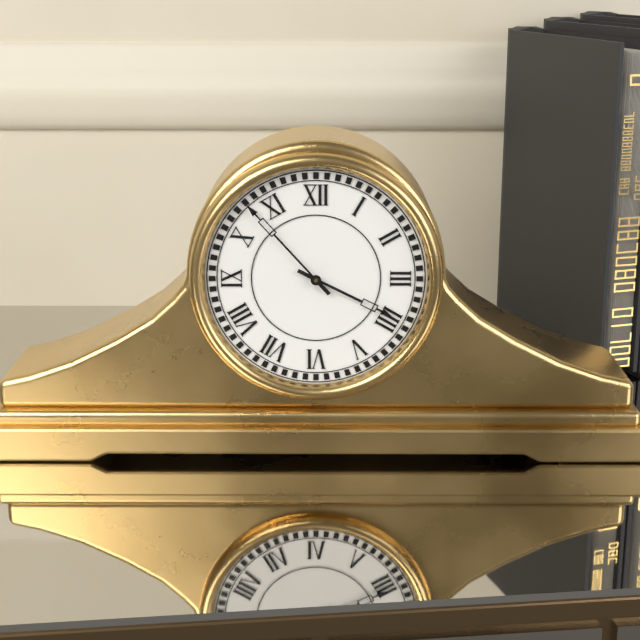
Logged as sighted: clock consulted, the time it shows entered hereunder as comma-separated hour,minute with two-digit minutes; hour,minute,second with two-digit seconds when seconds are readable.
3,53
